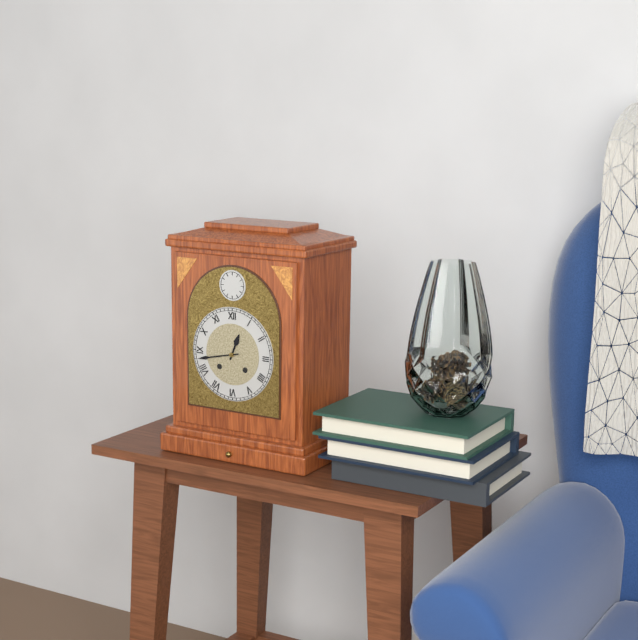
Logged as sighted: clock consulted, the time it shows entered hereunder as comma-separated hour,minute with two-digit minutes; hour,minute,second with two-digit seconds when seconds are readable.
12,43
